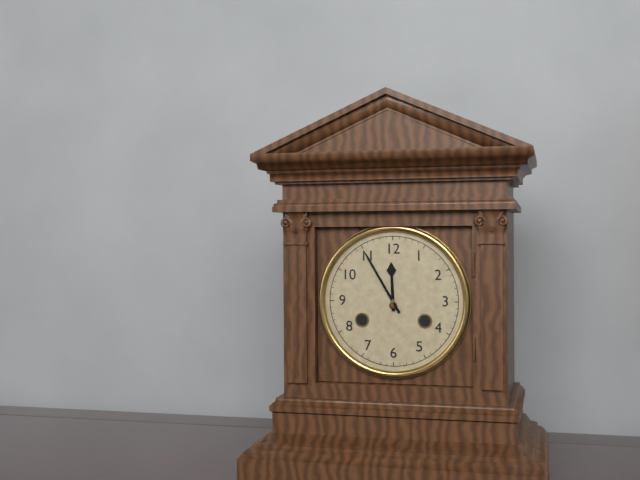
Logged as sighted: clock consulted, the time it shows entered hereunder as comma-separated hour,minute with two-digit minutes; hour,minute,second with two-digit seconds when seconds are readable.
11,55
